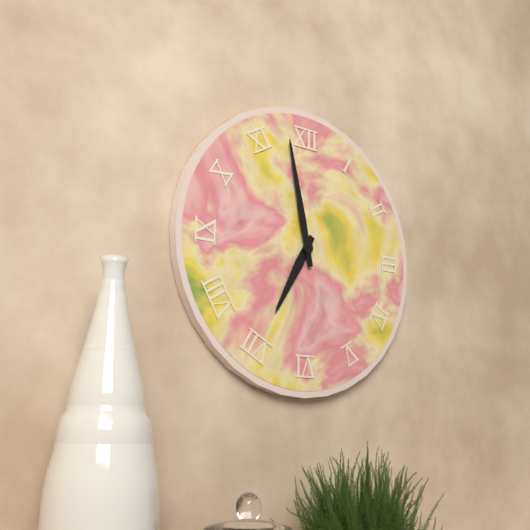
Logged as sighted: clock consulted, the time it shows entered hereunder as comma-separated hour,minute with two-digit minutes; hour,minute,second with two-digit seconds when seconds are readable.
6,58
